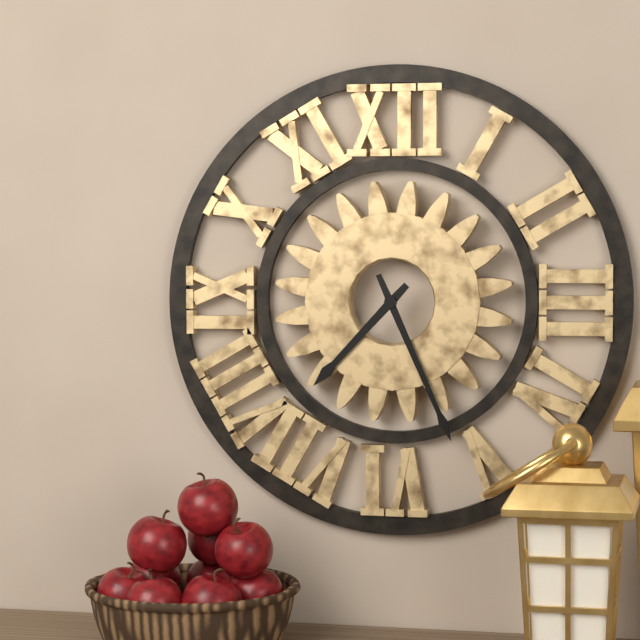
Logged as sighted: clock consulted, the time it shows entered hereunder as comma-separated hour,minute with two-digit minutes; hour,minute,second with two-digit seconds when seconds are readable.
7,26
